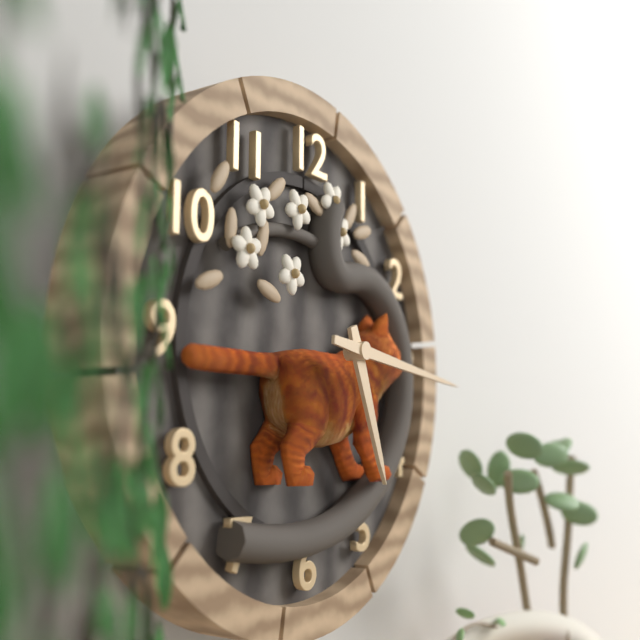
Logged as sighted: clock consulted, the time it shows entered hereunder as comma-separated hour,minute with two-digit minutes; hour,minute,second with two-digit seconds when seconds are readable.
5,16
